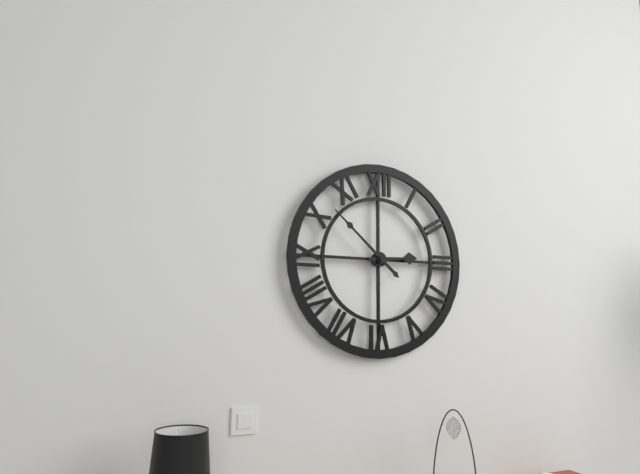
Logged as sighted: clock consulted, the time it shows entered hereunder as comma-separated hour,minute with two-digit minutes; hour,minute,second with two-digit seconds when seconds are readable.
2,52
